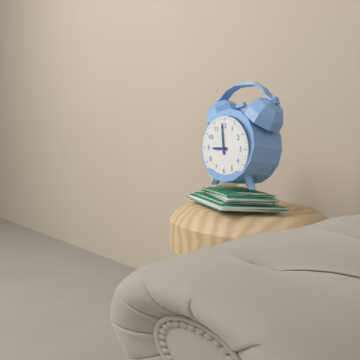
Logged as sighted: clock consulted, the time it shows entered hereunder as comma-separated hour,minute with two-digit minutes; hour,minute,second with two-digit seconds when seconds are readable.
8,59
